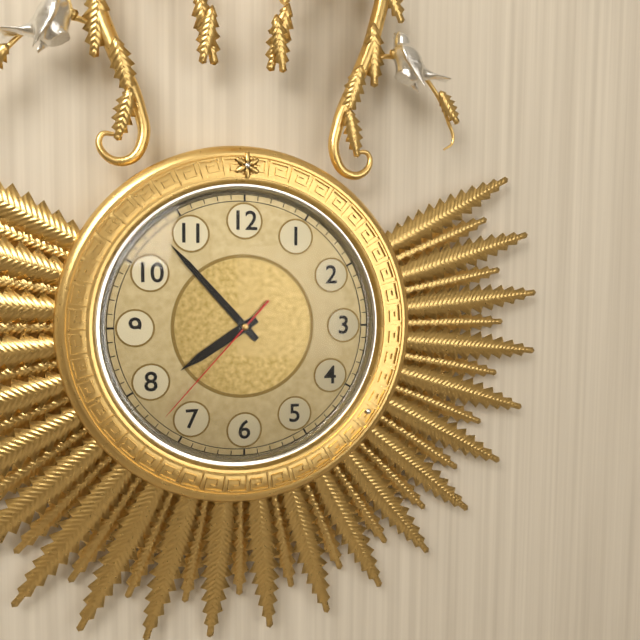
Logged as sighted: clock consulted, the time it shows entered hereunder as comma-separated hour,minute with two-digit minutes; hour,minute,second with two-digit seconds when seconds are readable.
7,53,37
